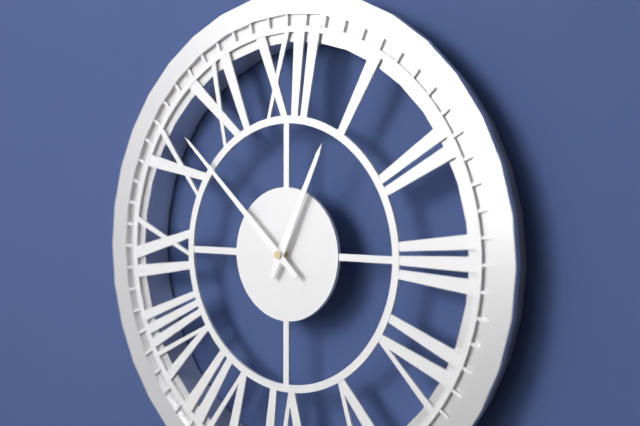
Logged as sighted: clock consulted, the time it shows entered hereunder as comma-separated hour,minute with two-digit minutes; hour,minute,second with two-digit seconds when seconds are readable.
12,52
